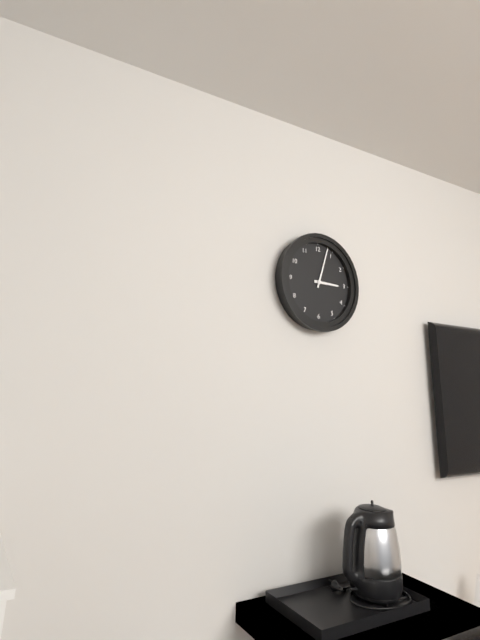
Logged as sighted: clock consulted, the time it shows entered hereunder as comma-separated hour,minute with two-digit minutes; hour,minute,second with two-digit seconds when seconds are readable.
3,03
